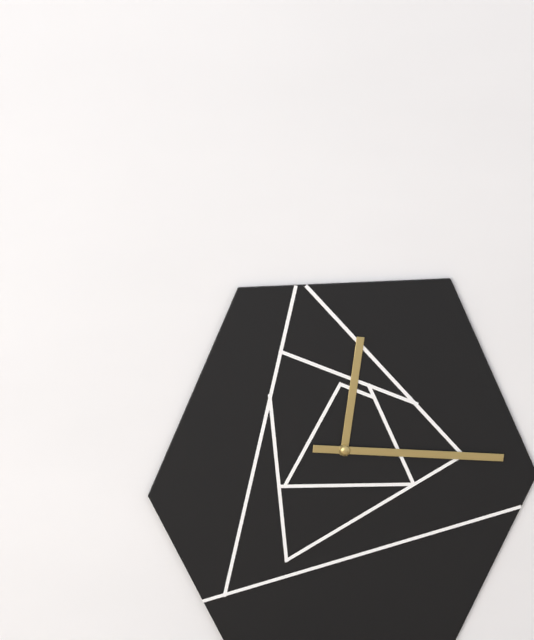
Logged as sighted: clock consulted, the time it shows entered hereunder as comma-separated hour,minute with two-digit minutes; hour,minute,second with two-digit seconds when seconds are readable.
12,16
